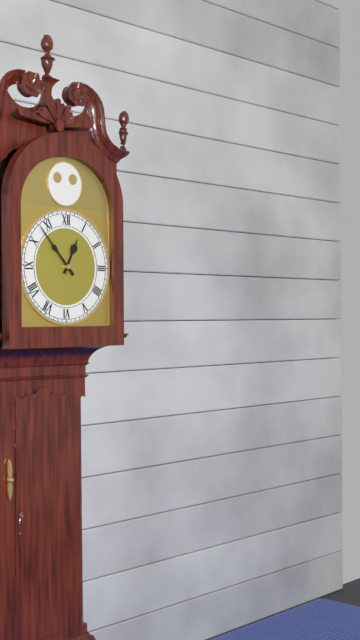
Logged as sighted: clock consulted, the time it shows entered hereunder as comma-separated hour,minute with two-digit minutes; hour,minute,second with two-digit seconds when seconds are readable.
12,53
